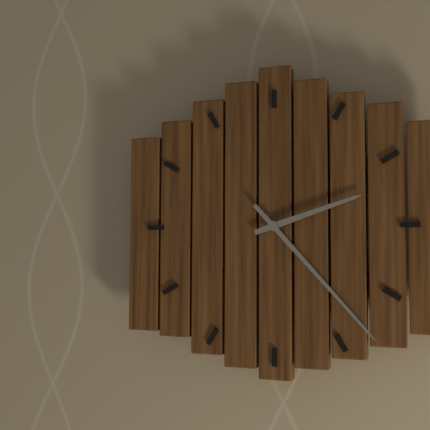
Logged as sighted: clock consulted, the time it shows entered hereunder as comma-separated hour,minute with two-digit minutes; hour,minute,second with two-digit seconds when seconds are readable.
2,23
